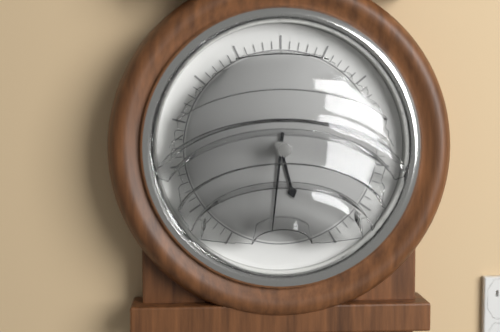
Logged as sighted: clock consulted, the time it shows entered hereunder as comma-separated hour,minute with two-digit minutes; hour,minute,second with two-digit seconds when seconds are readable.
5,31
